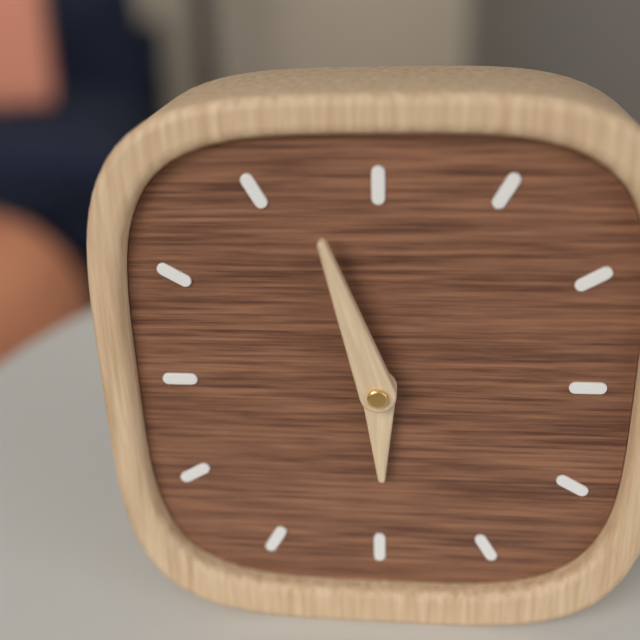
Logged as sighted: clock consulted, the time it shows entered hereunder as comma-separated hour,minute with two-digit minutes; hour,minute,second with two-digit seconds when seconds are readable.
5,57
